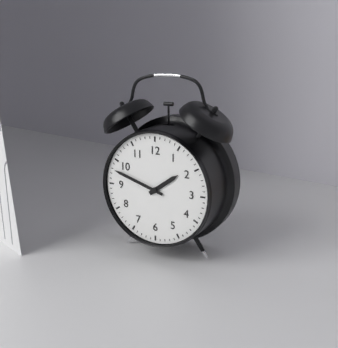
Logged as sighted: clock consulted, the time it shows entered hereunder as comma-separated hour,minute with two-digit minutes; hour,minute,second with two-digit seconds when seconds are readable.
1,48
